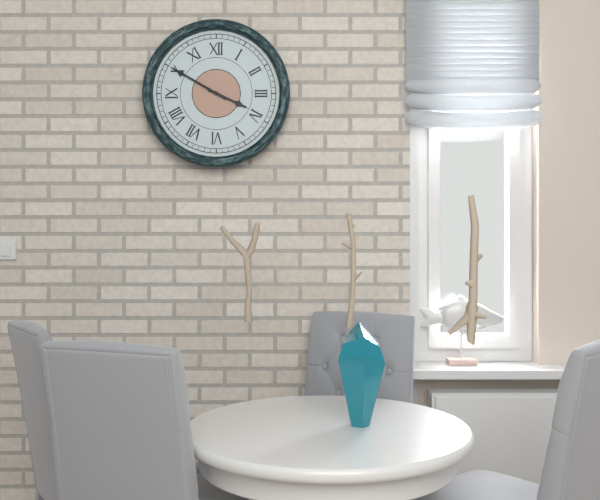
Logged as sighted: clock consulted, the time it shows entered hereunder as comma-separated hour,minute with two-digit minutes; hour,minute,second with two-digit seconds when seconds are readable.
3,50
